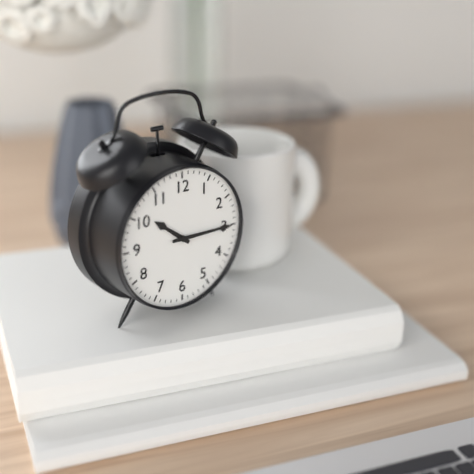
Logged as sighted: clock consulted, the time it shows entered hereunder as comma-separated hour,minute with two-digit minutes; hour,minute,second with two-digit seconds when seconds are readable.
10,15
